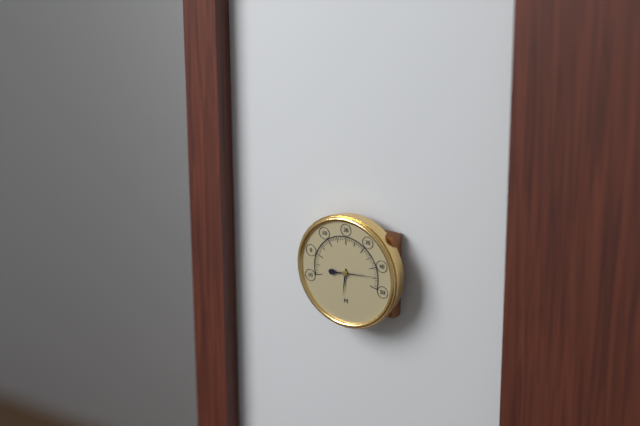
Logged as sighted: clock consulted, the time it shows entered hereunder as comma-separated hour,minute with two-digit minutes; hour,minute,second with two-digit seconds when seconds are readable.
6,14
